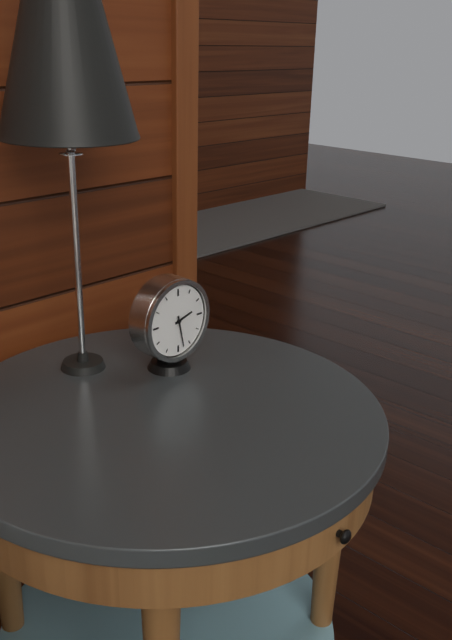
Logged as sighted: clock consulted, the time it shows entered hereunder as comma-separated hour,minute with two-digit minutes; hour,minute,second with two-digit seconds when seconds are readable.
2,28
